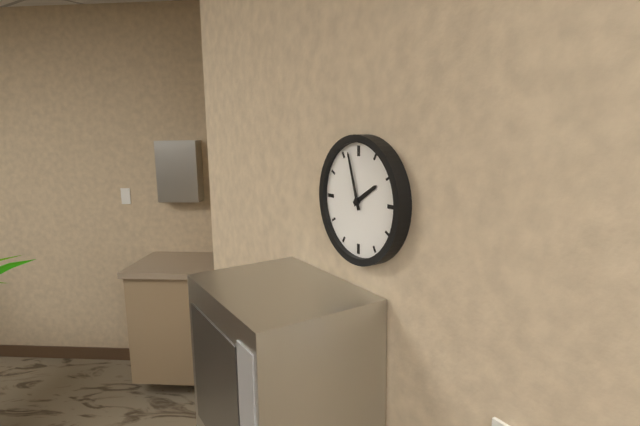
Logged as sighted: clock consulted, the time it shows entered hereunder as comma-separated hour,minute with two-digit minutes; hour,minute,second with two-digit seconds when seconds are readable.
1,57
